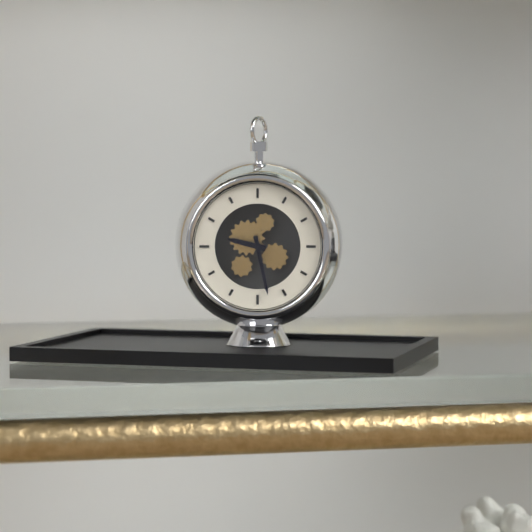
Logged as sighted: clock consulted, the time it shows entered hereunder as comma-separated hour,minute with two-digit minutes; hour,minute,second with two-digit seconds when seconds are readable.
9,28
